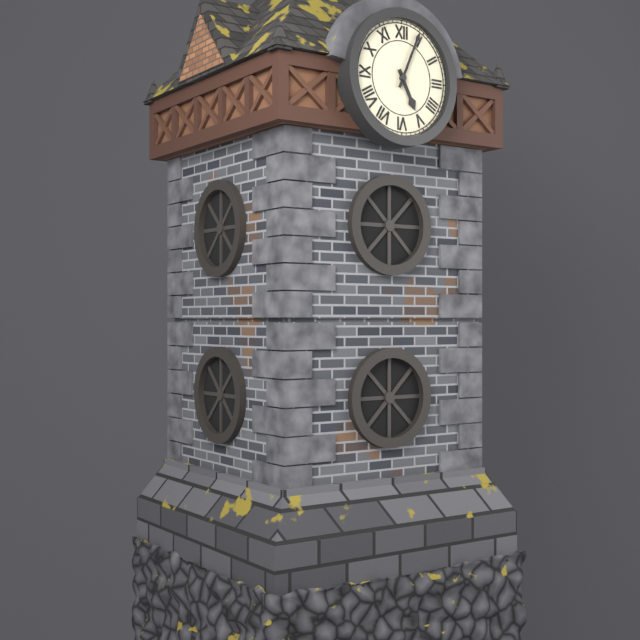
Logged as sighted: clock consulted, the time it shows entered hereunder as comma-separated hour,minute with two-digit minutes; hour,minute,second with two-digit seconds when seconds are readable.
5,04
